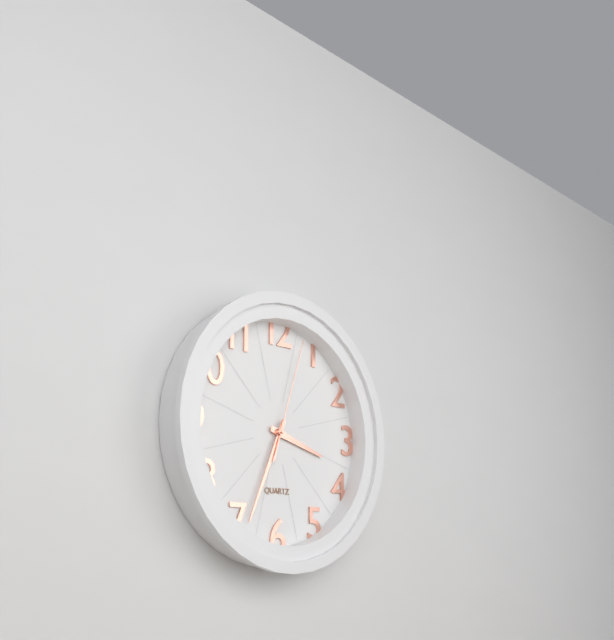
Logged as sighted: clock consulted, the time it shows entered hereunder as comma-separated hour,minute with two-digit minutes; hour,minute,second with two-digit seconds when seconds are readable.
3,34,03
